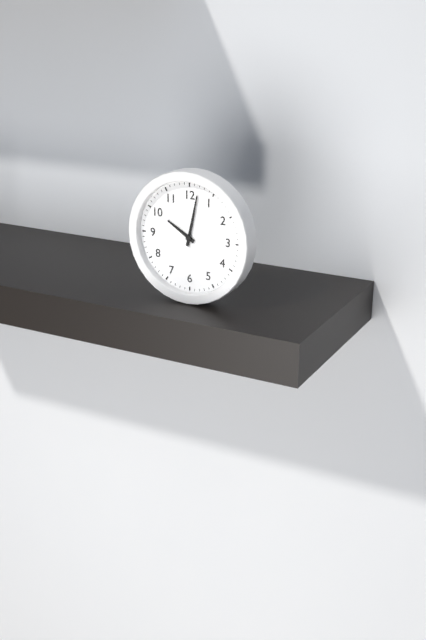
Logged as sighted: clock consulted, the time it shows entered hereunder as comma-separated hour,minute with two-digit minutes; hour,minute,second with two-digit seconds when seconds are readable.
10,02
